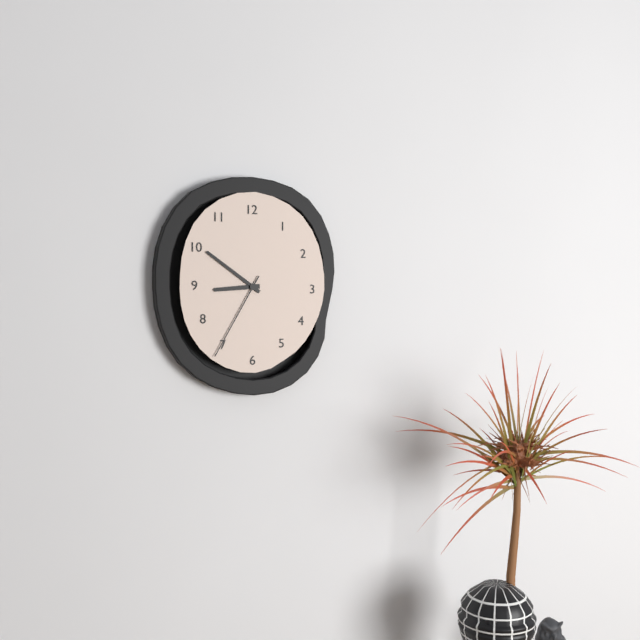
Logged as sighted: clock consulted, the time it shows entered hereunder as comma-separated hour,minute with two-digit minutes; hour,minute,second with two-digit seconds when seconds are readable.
8,51,35
